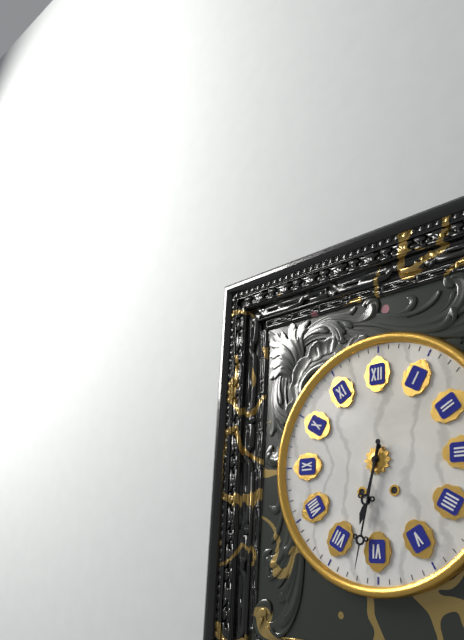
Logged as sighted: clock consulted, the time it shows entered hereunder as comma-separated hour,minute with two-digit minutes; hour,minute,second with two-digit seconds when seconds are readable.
6,32
